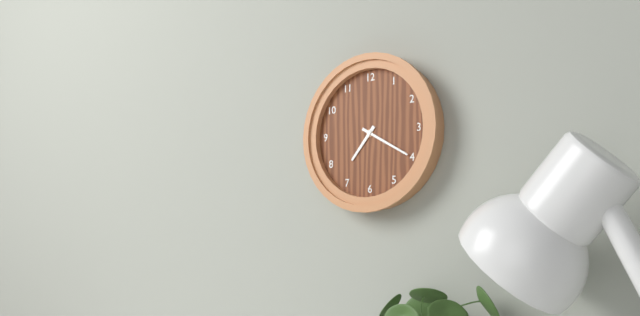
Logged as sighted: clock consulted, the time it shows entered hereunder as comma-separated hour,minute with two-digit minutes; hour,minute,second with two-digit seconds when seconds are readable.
7,20
